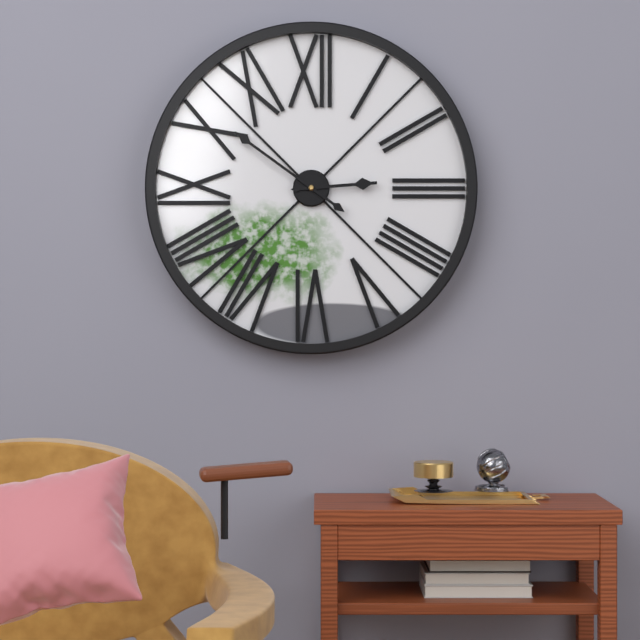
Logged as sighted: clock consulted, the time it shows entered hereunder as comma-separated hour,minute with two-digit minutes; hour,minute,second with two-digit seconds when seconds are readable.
2,51
